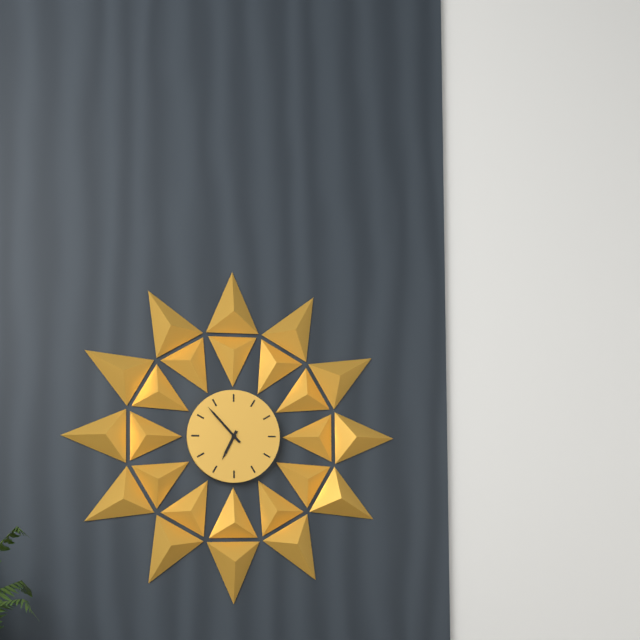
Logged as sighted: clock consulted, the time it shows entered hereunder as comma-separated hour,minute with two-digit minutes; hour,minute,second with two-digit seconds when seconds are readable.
6,53
